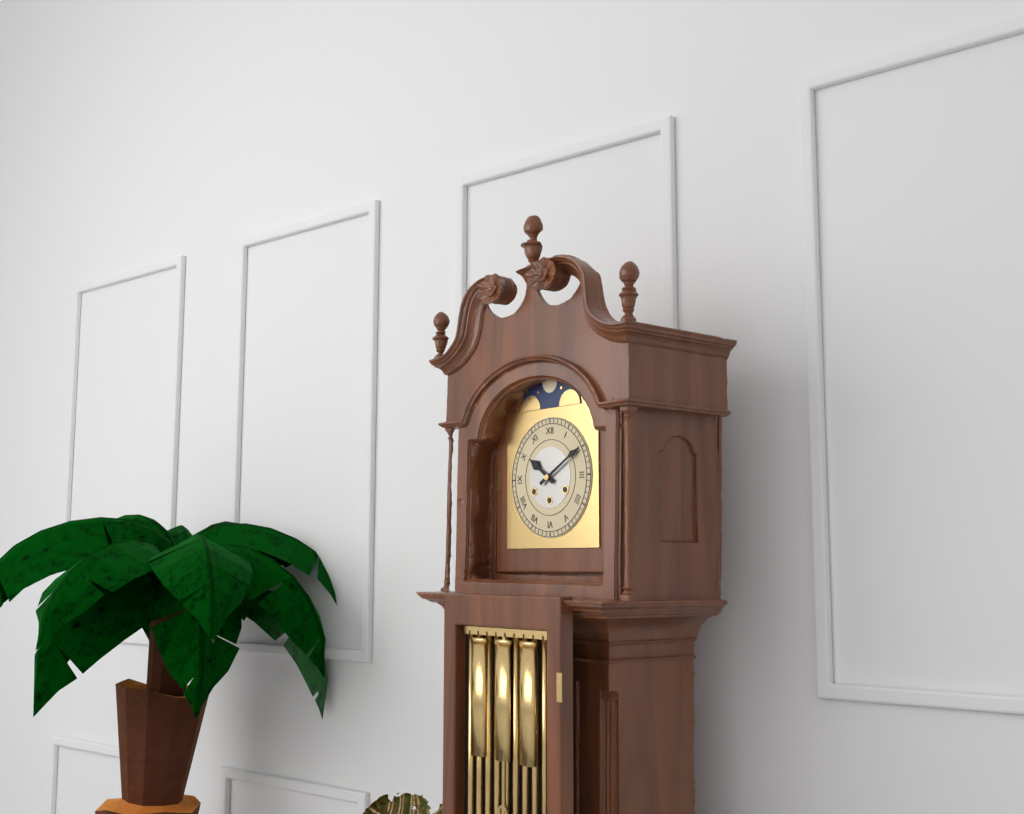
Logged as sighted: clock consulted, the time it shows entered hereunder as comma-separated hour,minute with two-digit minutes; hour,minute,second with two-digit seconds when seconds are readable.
10,10
